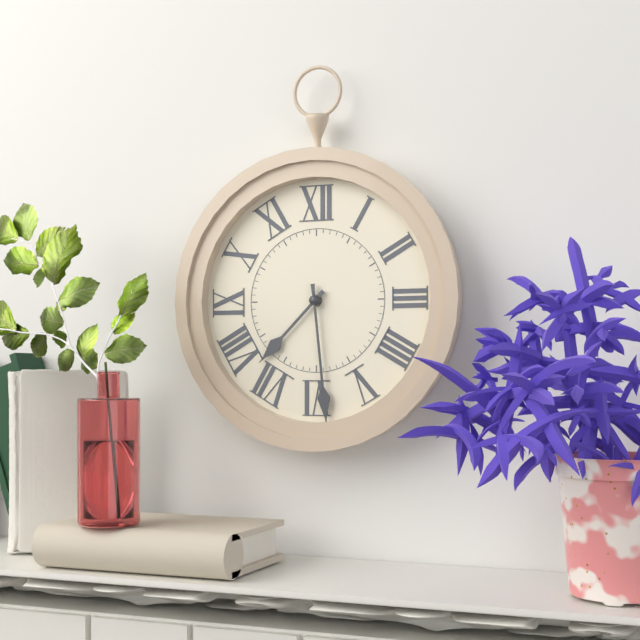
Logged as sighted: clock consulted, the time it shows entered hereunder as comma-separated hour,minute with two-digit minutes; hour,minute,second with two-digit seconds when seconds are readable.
7,29
